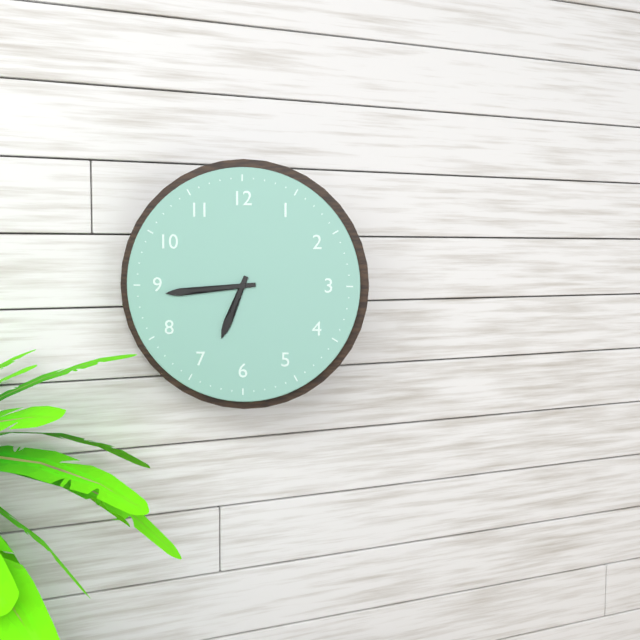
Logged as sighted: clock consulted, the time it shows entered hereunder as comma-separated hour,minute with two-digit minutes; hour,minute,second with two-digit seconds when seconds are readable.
6,44
